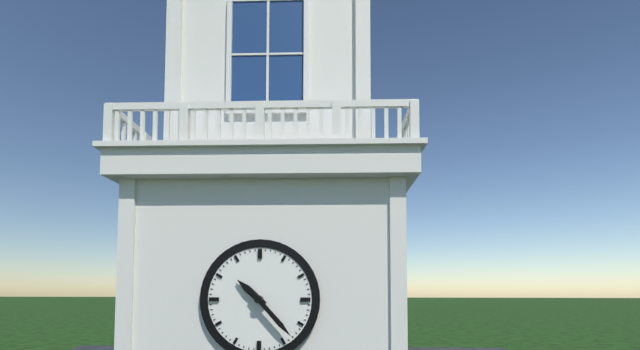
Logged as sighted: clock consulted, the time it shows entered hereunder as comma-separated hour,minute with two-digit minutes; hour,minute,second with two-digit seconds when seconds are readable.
10,23
